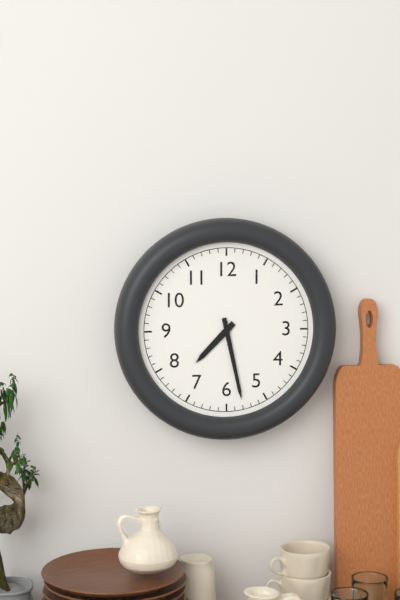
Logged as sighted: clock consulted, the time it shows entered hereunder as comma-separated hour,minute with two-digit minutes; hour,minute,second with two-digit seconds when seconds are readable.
7,28
